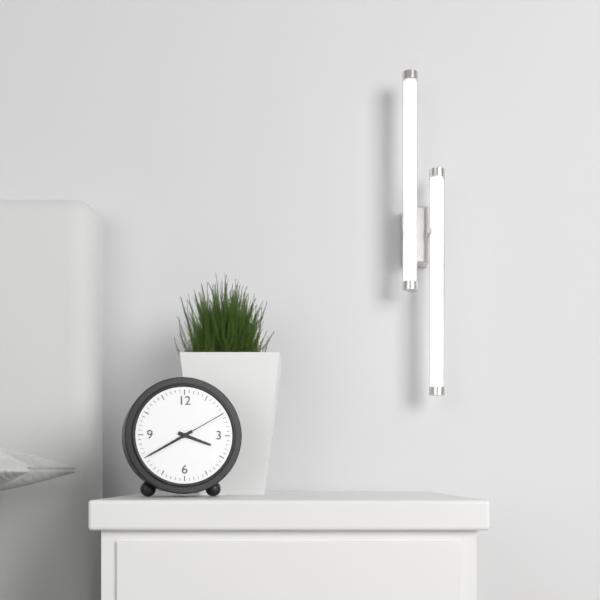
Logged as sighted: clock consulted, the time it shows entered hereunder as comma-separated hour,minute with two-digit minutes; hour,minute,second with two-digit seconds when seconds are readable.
3,40,10
